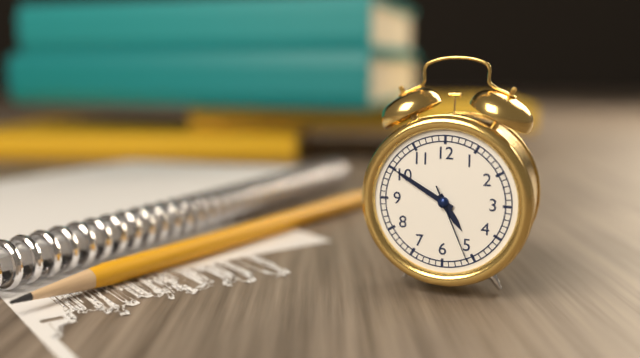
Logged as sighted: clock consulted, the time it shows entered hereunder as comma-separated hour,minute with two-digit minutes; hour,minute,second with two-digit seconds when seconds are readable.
4,50,26
